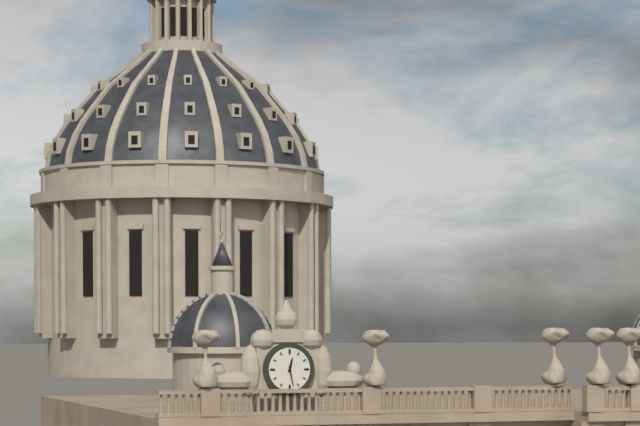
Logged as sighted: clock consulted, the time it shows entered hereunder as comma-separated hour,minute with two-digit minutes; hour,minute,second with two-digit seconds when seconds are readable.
12,28
